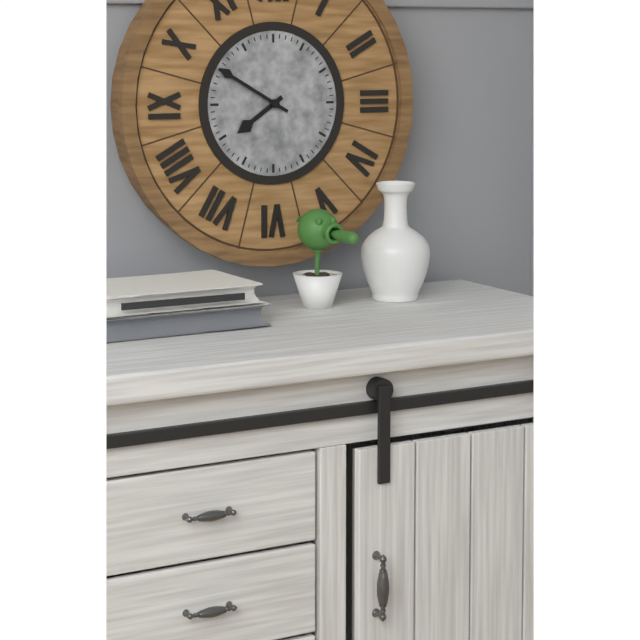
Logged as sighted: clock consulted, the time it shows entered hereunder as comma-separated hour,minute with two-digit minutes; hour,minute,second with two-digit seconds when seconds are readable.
7,50
